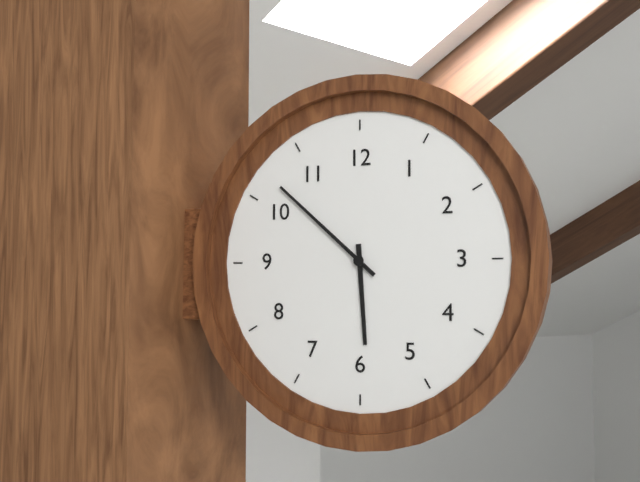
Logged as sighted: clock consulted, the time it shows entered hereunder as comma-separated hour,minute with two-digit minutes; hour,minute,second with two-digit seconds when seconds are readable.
5,52
